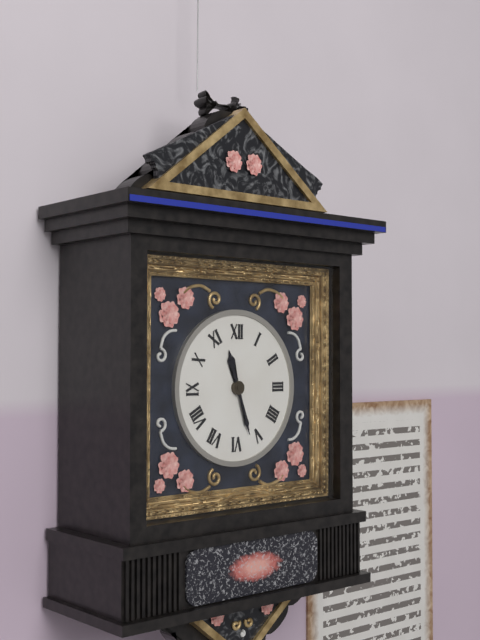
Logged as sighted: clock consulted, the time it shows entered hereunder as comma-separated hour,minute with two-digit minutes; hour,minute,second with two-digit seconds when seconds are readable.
11,27
